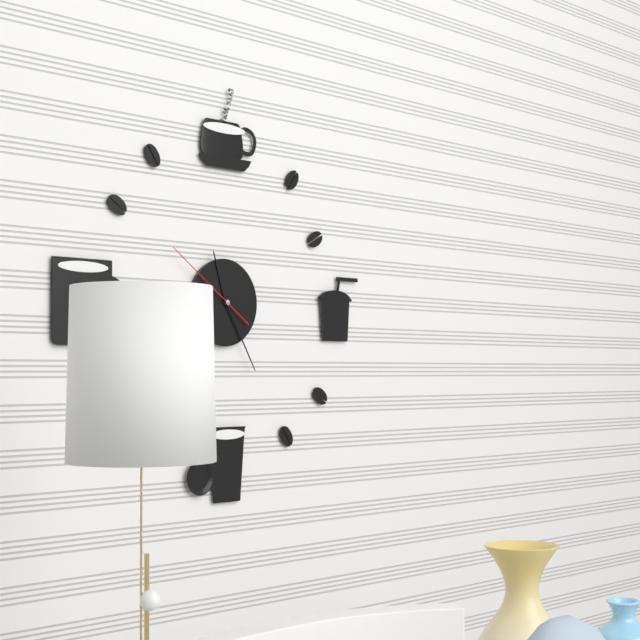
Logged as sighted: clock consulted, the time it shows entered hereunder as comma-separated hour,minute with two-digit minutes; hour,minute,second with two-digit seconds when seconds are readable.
11,25,51
